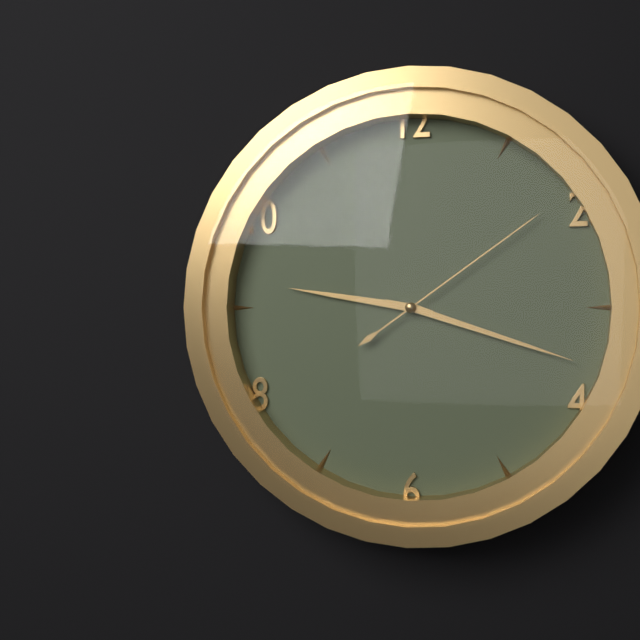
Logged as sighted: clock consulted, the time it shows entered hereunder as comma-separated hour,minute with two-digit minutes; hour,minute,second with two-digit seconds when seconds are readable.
9,18,09
